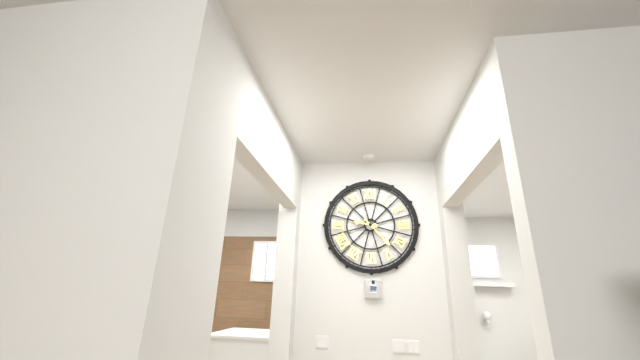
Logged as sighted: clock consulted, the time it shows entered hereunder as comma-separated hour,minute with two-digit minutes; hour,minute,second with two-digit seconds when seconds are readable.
9,23
